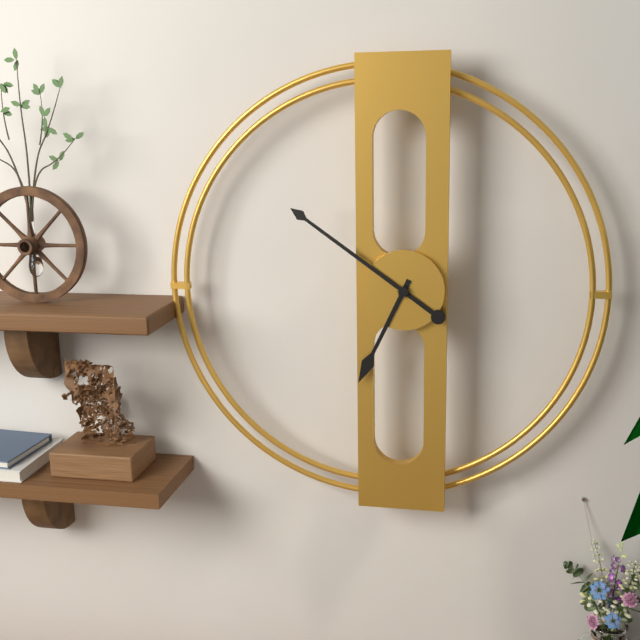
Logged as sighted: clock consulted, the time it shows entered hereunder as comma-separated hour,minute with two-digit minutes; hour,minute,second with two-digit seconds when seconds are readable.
6,51
